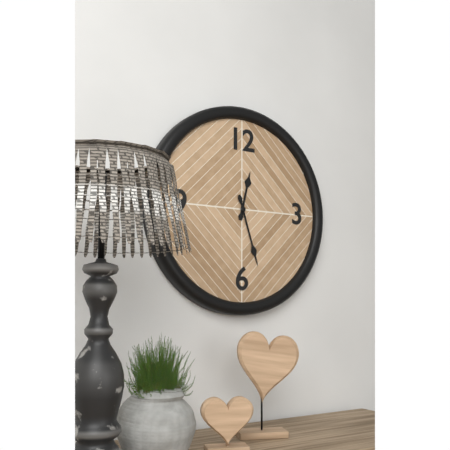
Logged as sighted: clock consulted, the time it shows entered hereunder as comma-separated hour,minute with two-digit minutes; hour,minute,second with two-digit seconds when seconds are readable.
12,27
